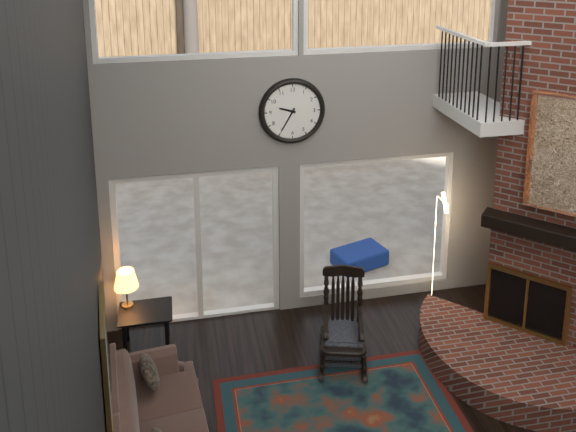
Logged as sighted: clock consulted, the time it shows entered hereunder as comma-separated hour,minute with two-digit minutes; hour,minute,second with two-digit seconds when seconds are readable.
9,35
